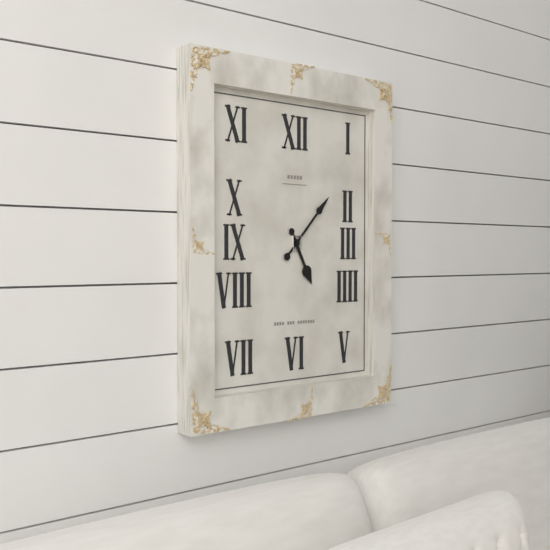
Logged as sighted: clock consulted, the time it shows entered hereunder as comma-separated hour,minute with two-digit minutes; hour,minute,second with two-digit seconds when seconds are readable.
5,07
